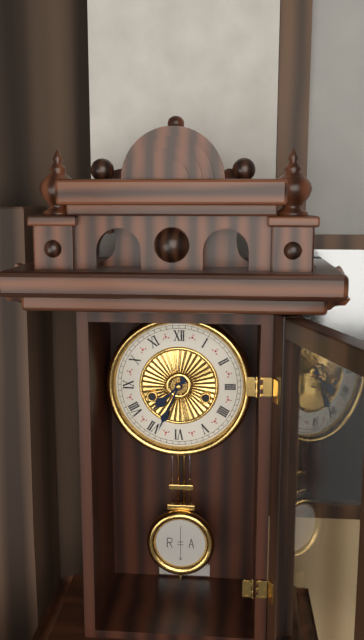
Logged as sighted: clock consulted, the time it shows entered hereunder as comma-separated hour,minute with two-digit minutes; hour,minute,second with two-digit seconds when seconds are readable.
7,34
